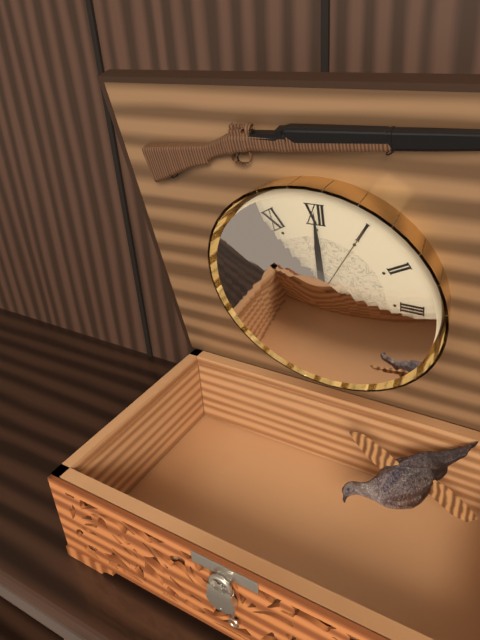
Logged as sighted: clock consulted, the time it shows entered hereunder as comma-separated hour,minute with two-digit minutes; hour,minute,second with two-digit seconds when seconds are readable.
6,00,05
